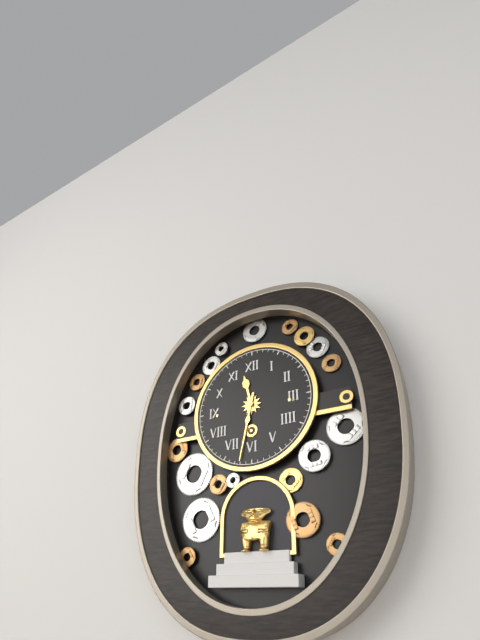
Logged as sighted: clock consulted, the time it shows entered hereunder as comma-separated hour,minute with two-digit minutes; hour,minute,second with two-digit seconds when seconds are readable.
11,32
